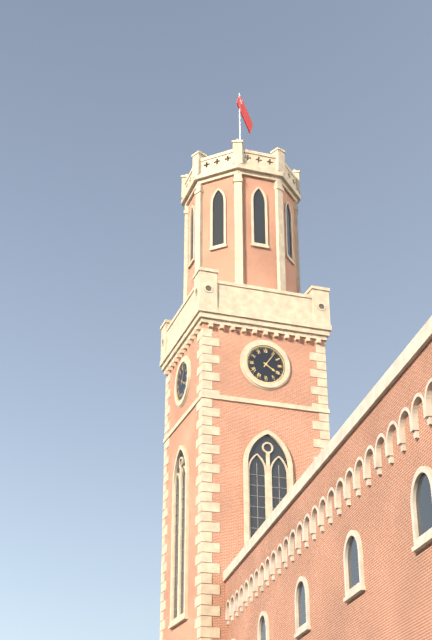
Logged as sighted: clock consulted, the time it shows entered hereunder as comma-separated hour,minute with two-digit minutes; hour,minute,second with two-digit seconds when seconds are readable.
4,06
